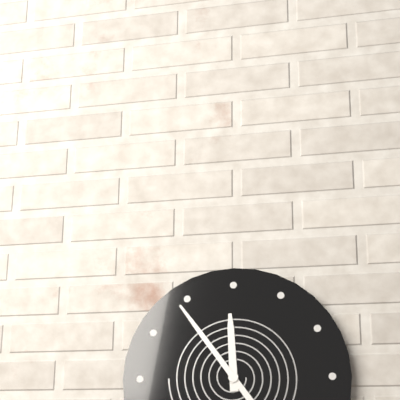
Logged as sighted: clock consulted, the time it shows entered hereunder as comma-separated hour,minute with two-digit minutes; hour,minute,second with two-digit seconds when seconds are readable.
11,54
